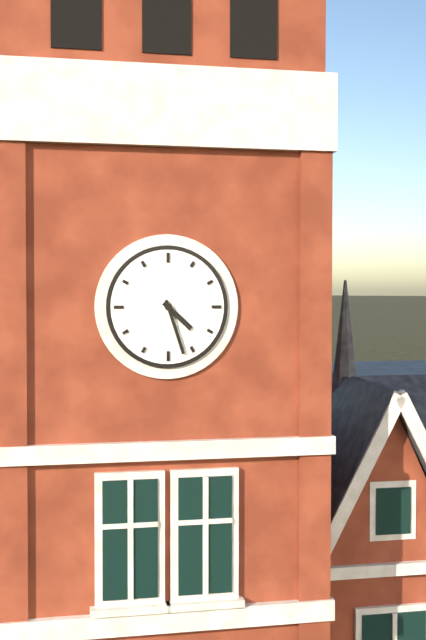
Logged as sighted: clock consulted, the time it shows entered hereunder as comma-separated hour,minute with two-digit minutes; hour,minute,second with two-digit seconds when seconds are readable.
4,27
